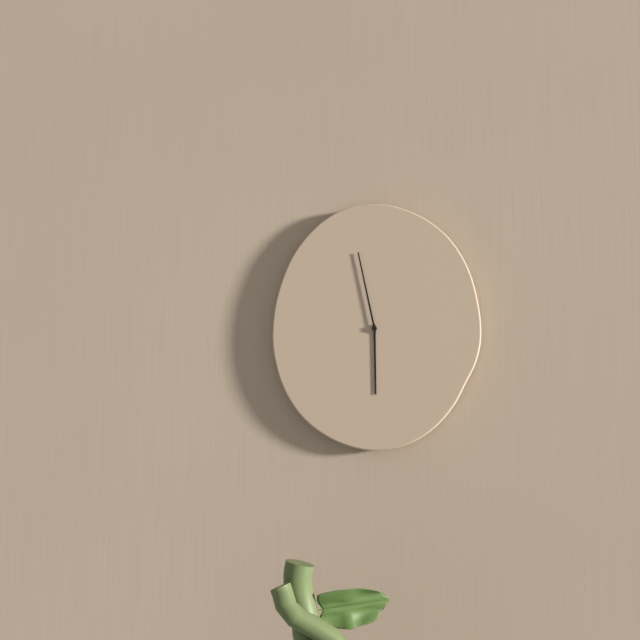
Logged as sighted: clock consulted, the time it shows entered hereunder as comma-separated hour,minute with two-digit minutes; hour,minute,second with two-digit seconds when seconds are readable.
5,58
